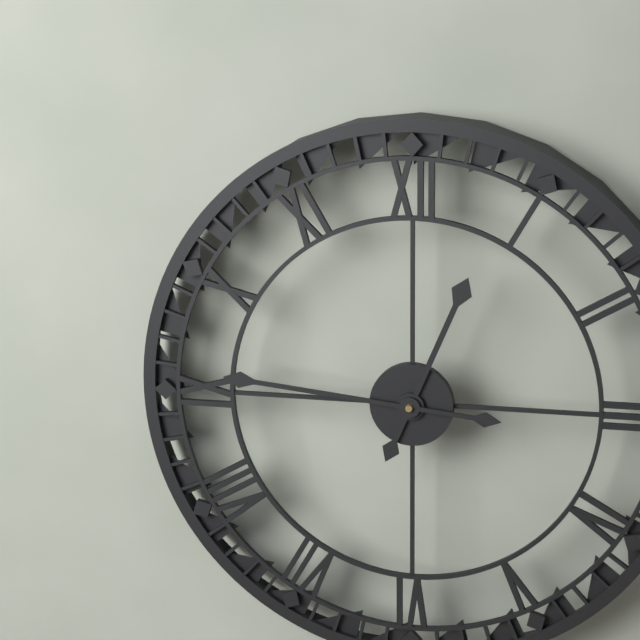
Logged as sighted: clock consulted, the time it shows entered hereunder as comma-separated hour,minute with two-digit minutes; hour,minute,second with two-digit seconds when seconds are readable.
12,46
